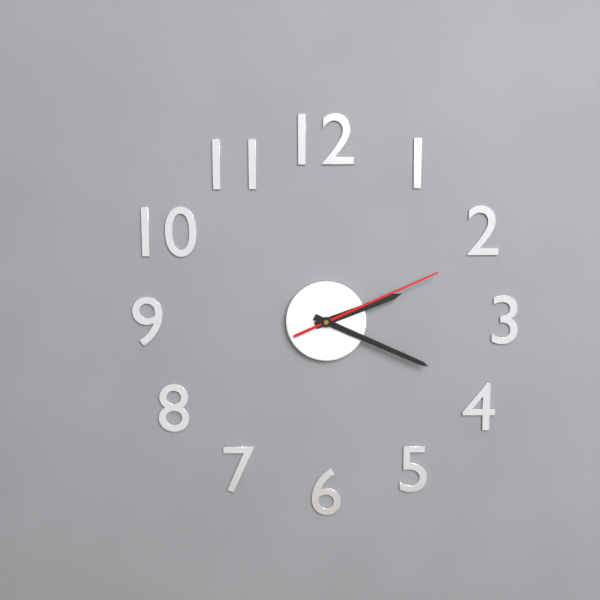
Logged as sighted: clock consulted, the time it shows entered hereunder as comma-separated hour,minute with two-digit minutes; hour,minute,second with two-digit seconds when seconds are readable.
2,19,11
